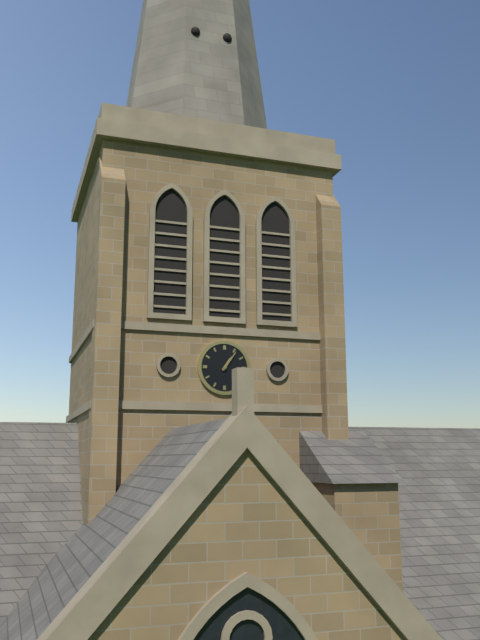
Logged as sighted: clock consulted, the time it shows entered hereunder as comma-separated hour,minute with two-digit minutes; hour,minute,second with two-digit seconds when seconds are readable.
1,06
